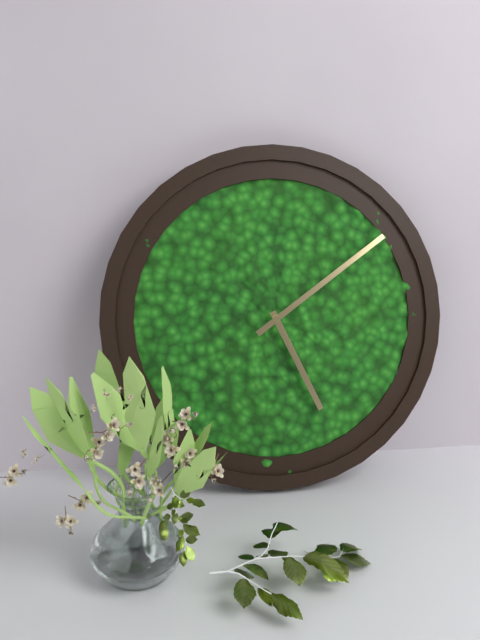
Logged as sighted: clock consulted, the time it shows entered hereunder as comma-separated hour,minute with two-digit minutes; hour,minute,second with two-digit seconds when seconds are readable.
5,09
